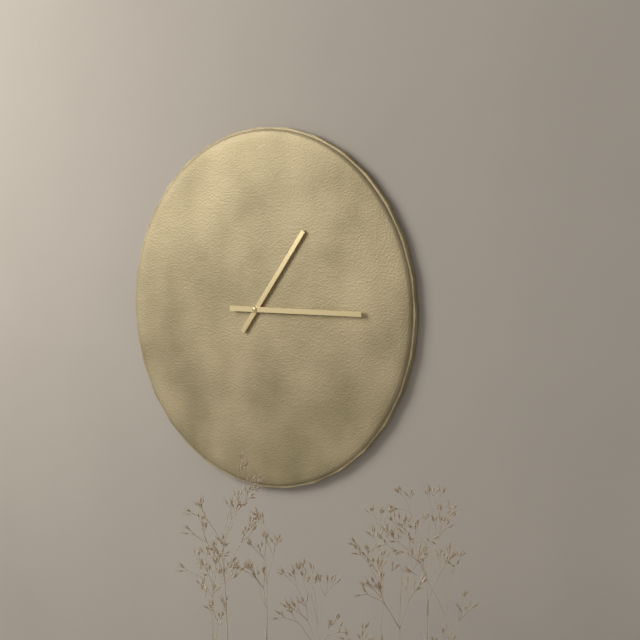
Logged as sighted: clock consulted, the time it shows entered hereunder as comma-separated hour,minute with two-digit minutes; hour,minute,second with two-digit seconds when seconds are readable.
1,15
